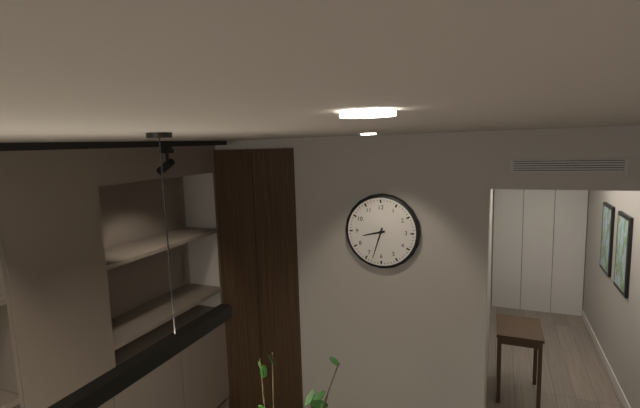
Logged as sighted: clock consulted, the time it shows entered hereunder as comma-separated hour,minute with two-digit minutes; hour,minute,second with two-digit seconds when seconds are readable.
8,33
